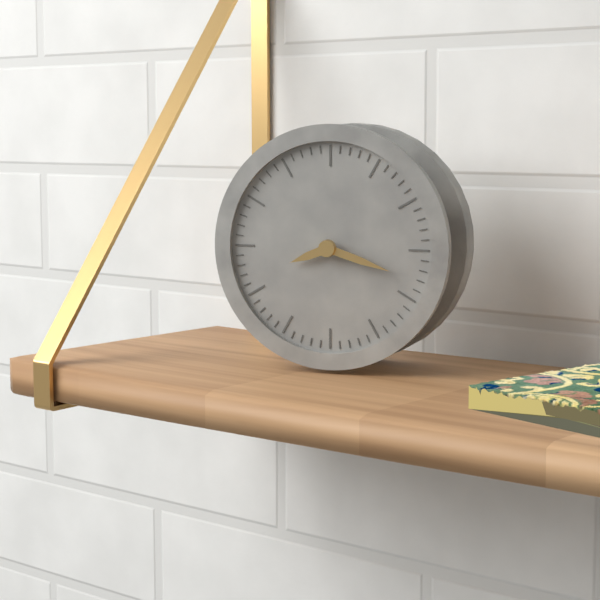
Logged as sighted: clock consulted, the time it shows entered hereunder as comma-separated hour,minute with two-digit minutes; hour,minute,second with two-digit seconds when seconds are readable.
8,18
